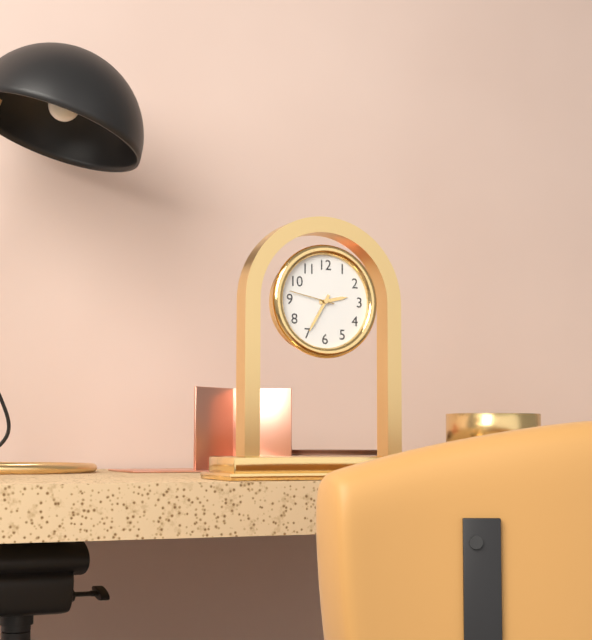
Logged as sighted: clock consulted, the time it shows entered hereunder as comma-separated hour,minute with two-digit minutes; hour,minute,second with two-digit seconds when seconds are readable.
2,35
